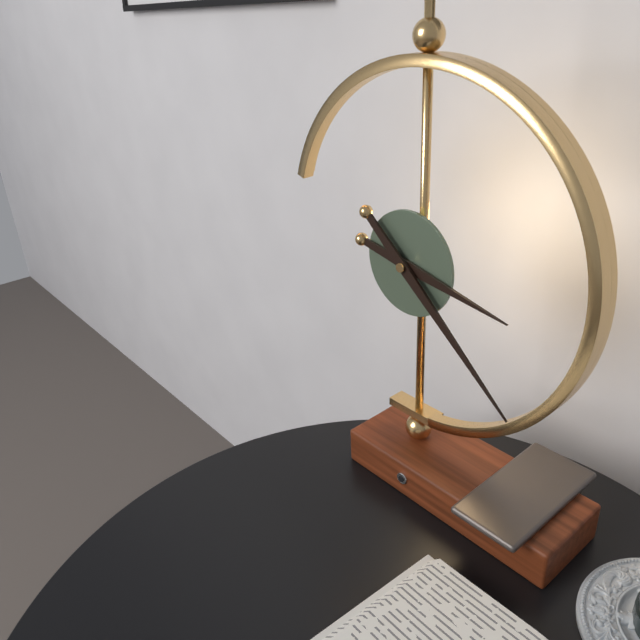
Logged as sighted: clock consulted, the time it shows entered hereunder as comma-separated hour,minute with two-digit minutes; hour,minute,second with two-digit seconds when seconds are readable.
3,22
